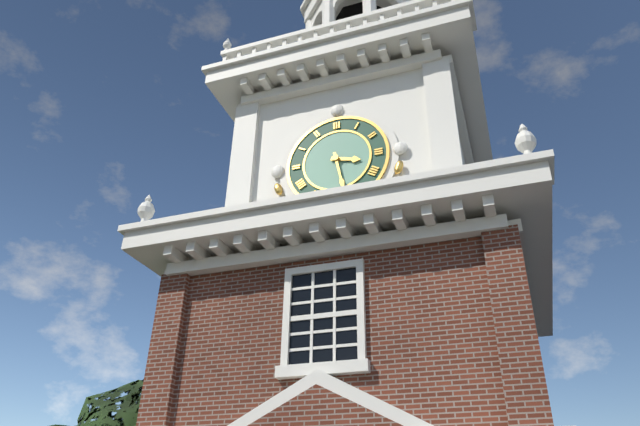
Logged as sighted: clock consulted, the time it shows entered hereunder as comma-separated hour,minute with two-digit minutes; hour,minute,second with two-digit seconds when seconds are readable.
3,28
